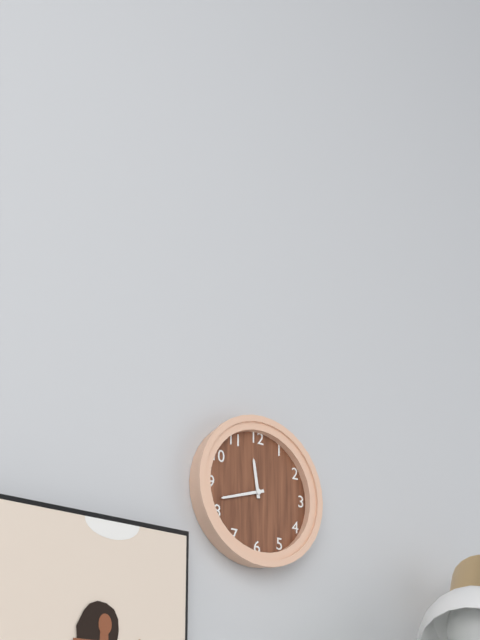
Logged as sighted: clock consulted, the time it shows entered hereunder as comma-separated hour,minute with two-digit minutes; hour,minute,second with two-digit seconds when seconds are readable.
11,42
